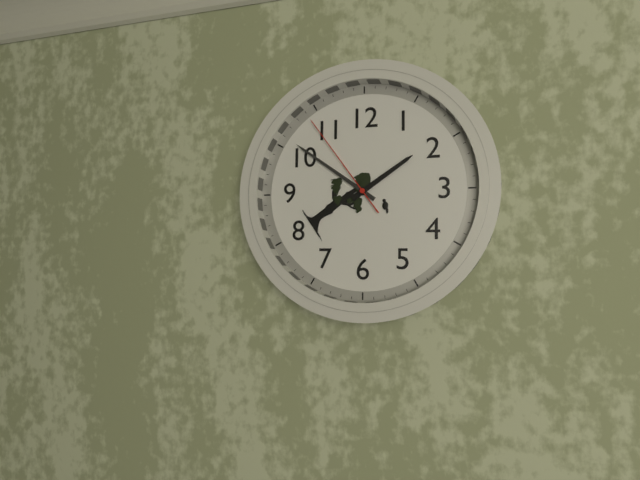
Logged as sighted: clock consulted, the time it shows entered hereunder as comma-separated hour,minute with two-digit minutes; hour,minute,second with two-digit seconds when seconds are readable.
1,51,54
